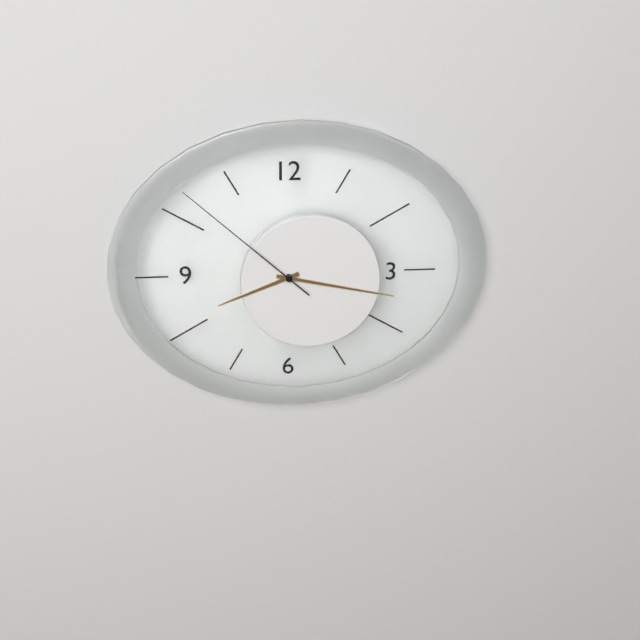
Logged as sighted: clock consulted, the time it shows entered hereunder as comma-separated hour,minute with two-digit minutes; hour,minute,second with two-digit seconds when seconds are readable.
8,17,52
